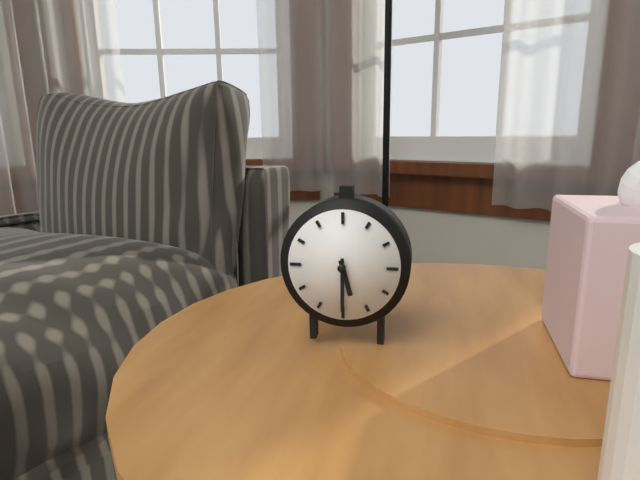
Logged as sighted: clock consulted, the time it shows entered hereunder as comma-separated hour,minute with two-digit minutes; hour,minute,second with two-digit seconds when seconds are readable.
5,30
